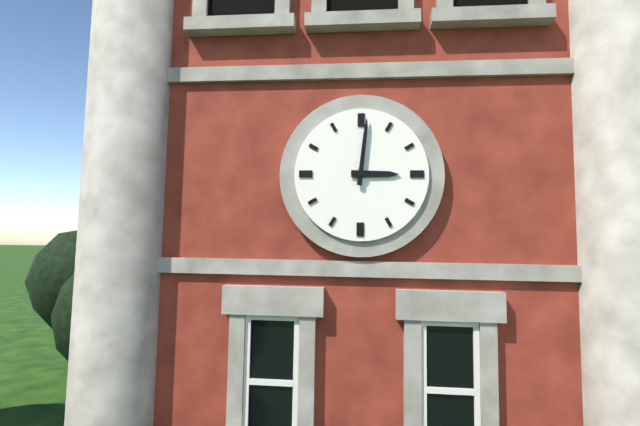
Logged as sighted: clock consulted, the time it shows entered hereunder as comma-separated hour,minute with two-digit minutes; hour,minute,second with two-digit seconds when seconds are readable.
3,01
